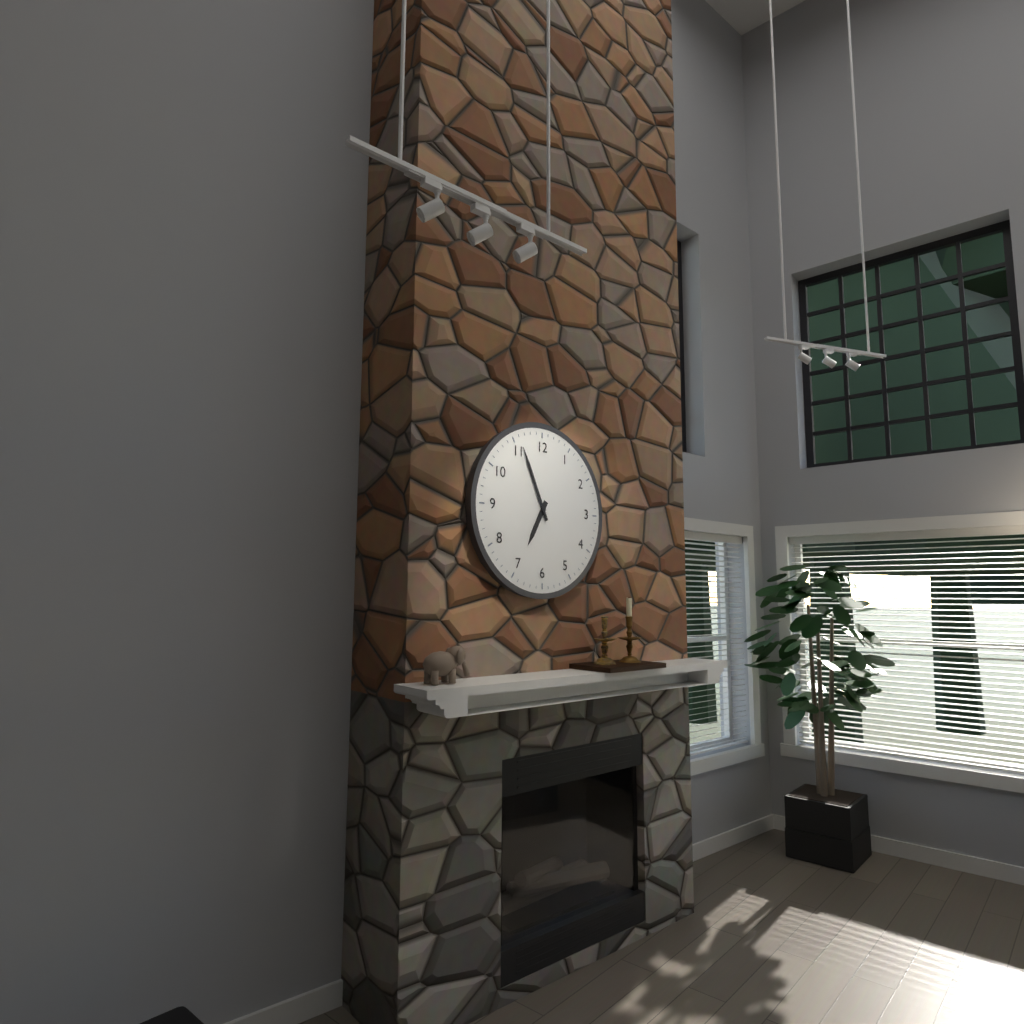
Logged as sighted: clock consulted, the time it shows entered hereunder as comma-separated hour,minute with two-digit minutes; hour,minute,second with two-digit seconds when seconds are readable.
6,56
